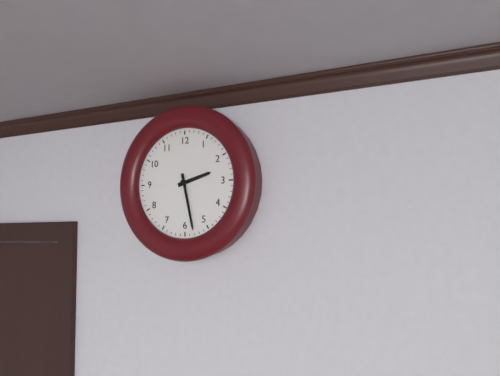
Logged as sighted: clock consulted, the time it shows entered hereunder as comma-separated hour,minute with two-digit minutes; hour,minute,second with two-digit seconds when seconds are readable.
2,28
